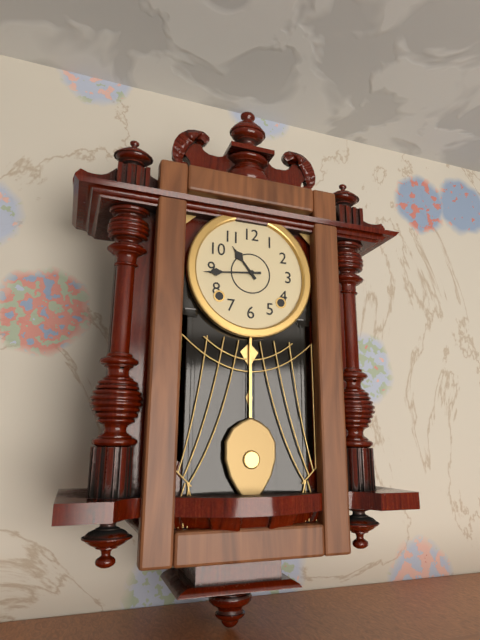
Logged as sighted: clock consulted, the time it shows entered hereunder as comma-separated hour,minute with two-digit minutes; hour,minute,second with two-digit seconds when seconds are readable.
10,44
